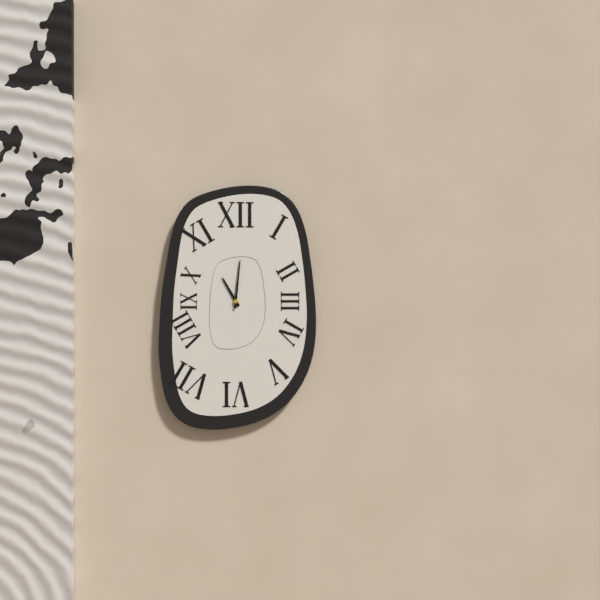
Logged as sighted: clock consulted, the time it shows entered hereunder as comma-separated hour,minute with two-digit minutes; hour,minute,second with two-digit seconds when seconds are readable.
11,01
